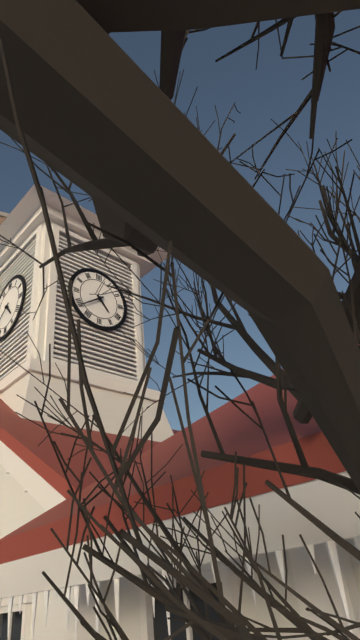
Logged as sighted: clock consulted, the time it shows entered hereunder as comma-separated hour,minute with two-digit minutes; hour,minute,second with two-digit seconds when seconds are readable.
4,39
